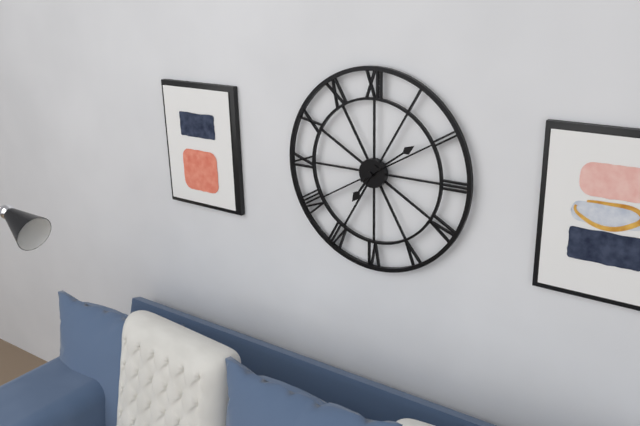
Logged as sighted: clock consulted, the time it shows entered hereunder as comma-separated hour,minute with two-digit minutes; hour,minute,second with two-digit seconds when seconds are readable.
7,09
